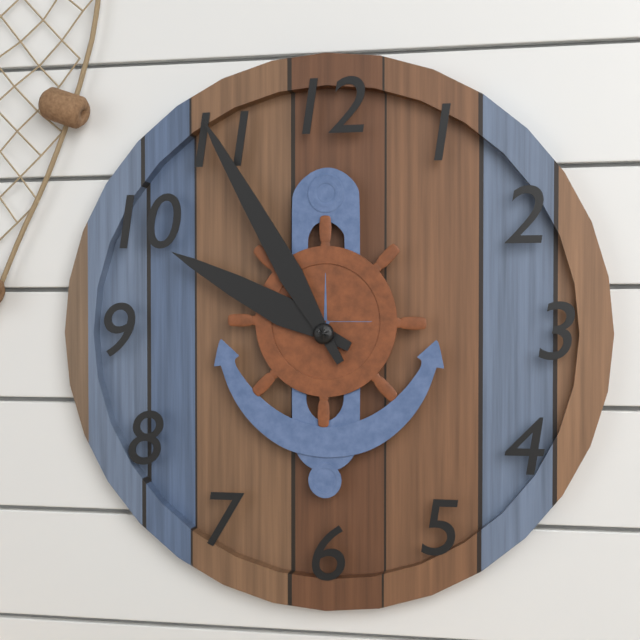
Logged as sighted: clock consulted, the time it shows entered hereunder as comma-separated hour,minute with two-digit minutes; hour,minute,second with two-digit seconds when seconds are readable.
9,55
